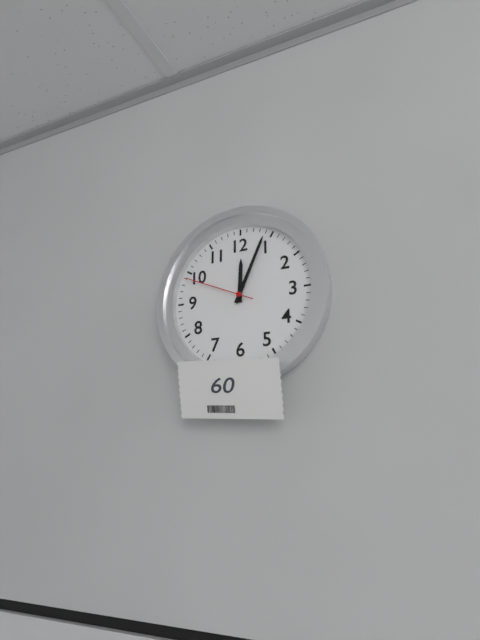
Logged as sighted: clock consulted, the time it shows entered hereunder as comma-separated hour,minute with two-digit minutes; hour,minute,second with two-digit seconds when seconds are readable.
12,04,49
